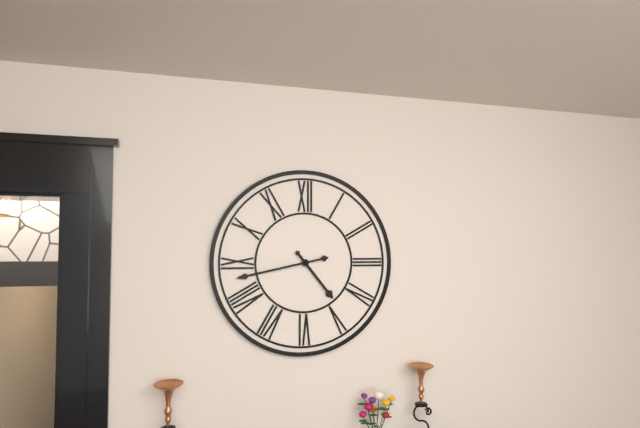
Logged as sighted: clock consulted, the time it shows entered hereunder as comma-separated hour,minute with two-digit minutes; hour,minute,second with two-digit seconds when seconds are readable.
4,43
